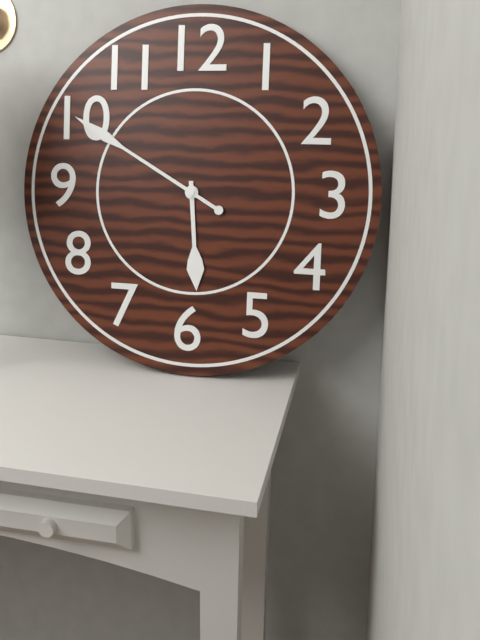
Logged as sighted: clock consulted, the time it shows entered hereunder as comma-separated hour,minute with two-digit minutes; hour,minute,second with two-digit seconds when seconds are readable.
5,50
